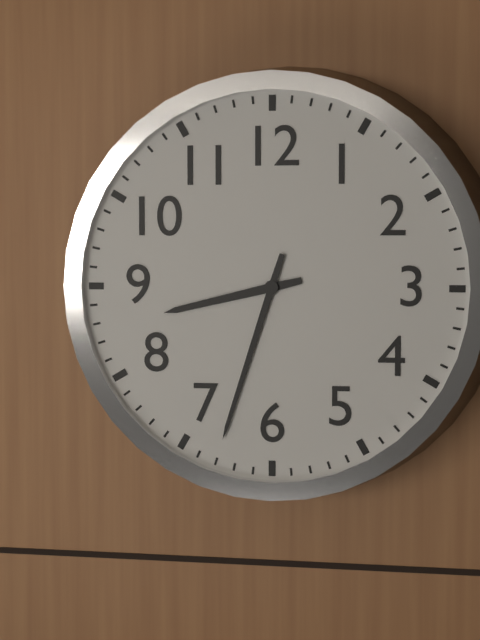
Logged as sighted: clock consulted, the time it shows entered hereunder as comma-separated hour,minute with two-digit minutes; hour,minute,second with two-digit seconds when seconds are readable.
8,33
